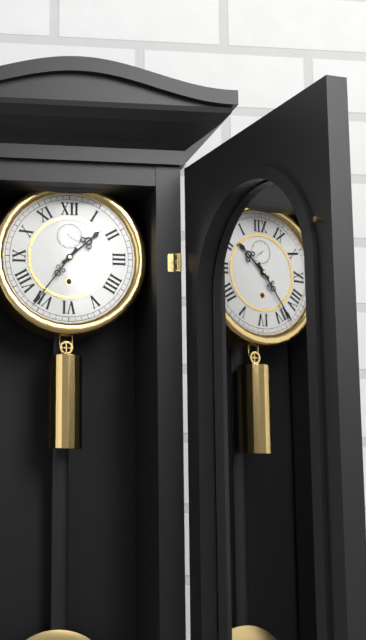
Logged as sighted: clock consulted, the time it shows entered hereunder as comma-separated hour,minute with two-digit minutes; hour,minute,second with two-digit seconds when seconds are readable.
1,36
